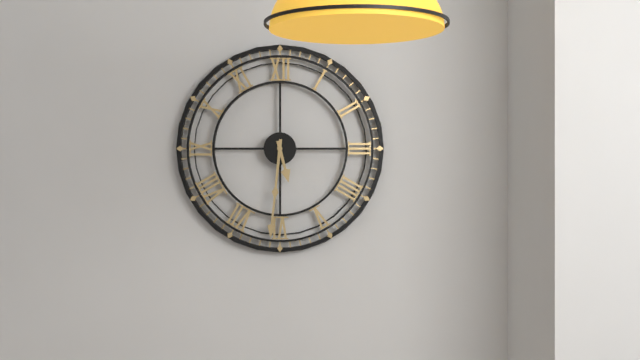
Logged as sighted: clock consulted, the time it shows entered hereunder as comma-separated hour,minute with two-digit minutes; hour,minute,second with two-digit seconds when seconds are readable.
5,31
